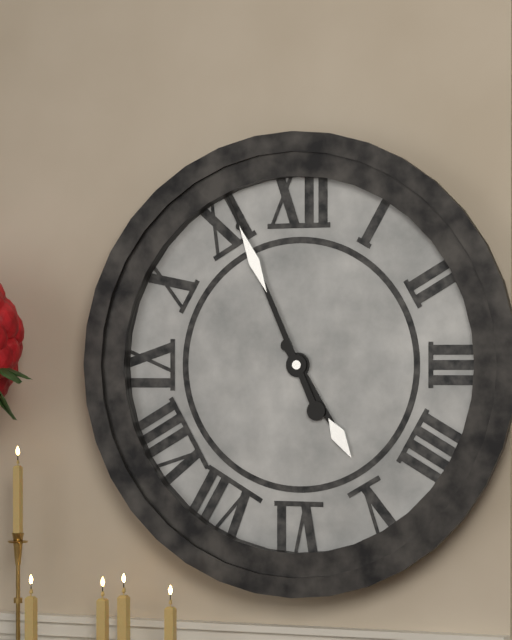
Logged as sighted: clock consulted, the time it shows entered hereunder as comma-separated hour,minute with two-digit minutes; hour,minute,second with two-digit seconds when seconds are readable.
4,56
